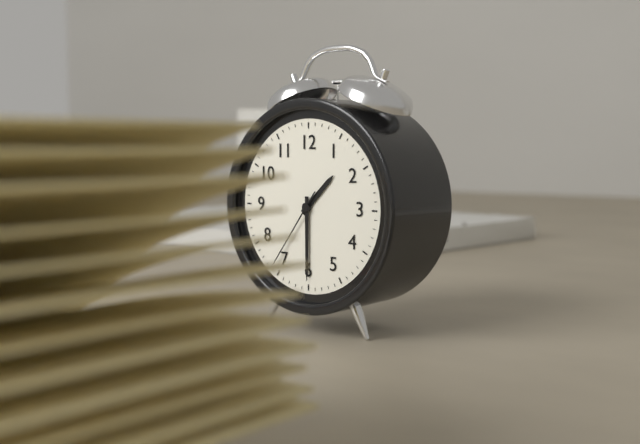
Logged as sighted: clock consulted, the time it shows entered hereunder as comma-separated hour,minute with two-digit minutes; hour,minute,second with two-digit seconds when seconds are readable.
1,30,36
